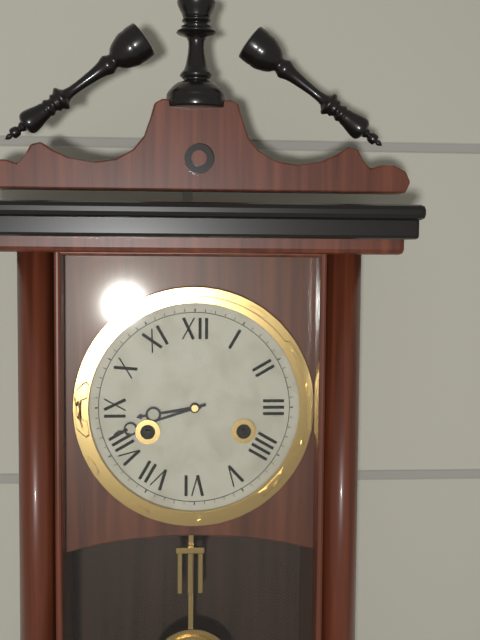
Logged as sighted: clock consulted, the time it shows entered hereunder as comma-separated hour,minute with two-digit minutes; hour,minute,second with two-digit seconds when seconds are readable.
8,42
